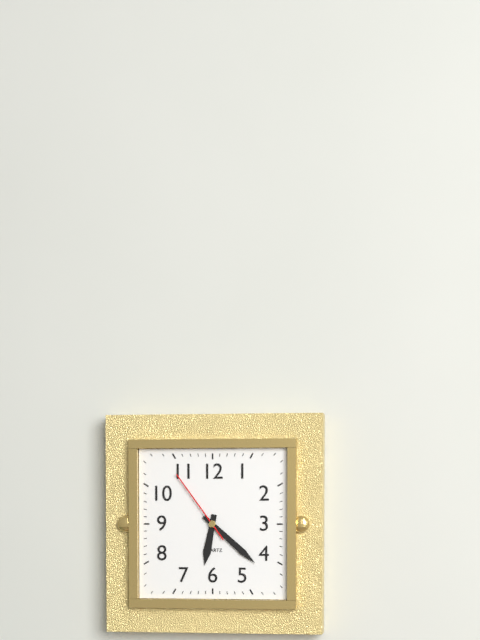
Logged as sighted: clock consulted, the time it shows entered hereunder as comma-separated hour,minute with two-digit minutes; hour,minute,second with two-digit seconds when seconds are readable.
6,22,54
